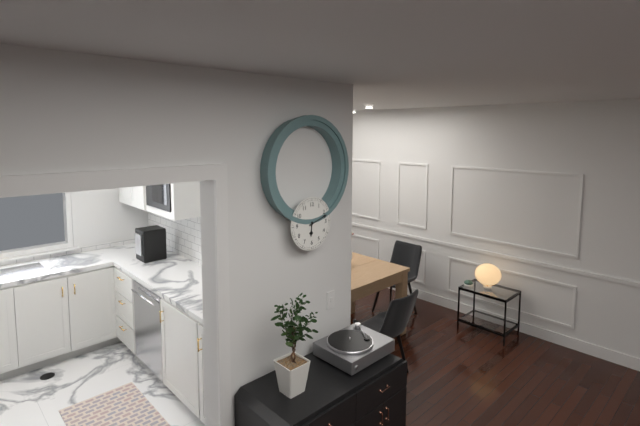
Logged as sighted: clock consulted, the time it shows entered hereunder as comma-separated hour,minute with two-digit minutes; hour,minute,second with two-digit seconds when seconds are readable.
6,12
